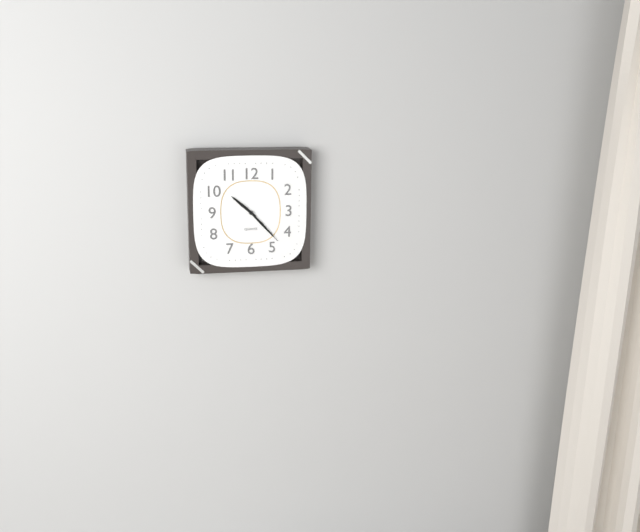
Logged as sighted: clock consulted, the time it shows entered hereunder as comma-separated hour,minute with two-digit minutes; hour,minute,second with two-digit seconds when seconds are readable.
10,23
